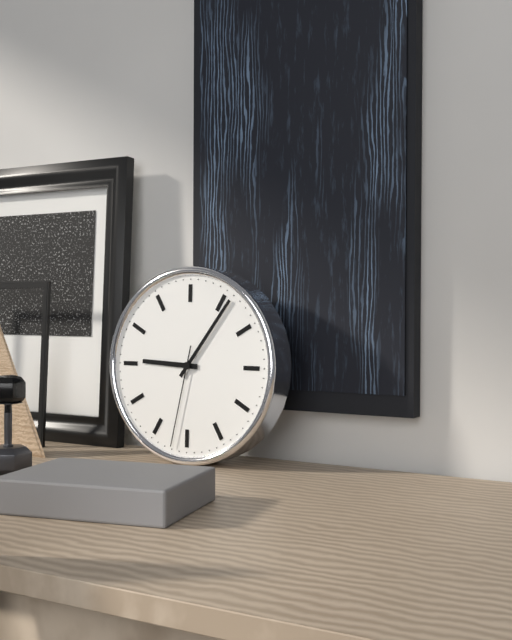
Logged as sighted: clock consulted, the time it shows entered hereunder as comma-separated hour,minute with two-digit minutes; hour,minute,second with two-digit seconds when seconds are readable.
9,06,32
